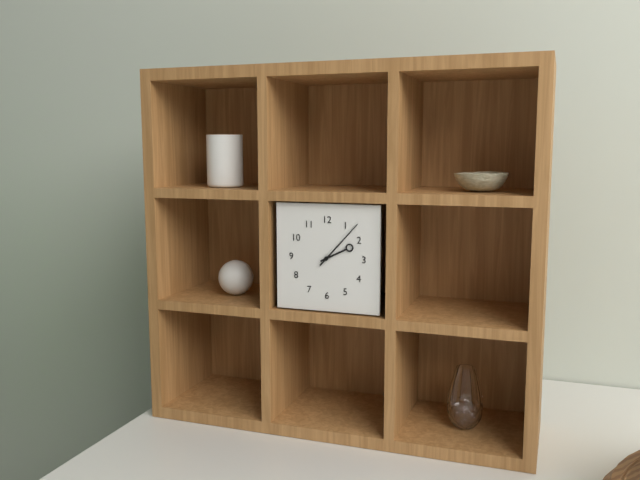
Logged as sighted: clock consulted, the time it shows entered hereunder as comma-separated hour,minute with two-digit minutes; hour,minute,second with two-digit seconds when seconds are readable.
2,07
